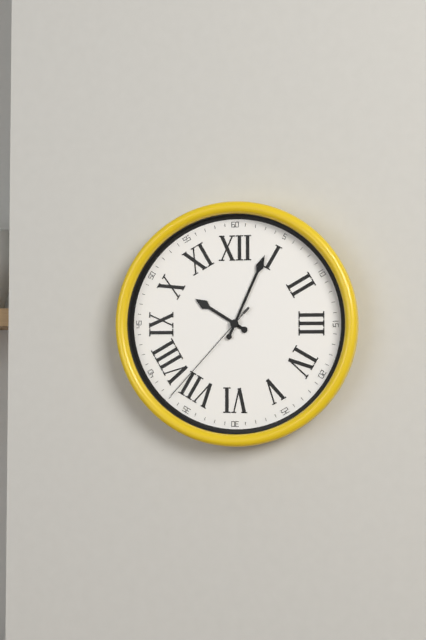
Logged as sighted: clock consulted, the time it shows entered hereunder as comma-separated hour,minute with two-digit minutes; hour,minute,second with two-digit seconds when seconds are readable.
10,04,37
